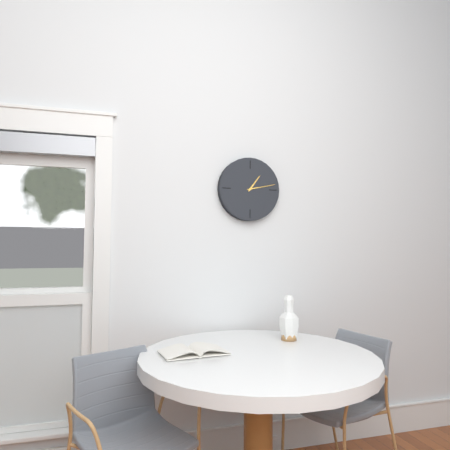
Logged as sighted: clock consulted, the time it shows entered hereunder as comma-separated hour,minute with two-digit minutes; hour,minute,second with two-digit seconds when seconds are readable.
1,13
